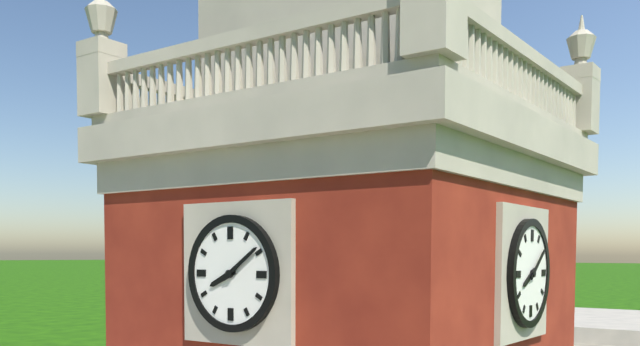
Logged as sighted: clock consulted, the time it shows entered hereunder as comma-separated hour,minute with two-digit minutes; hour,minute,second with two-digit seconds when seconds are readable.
8,09
